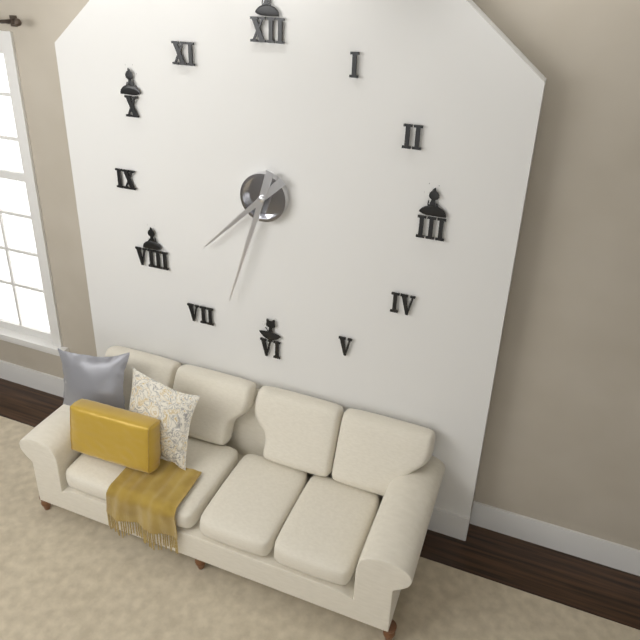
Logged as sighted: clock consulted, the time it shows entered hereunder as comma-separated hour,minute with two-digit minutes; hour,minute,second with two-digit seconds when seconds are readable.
7,33
